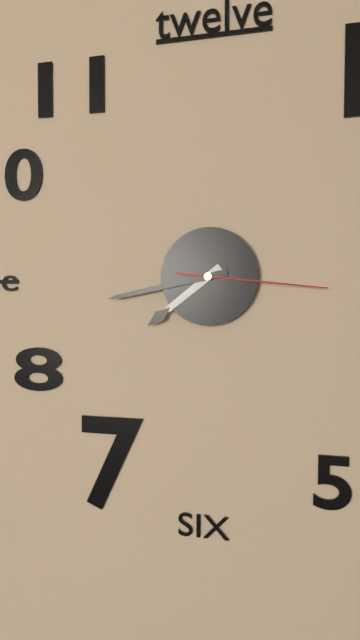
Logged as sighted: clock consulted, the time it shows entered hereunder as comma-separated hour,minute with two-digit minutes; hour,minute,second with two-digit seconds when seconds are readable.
7,43,16
